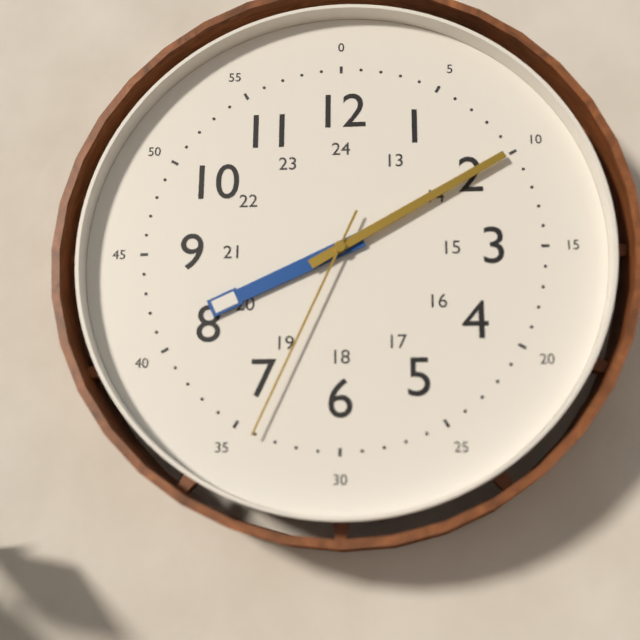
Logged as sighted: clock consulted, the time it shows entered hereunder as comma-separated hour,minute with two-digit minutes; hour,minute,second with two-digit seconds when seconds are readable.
8,10,34
